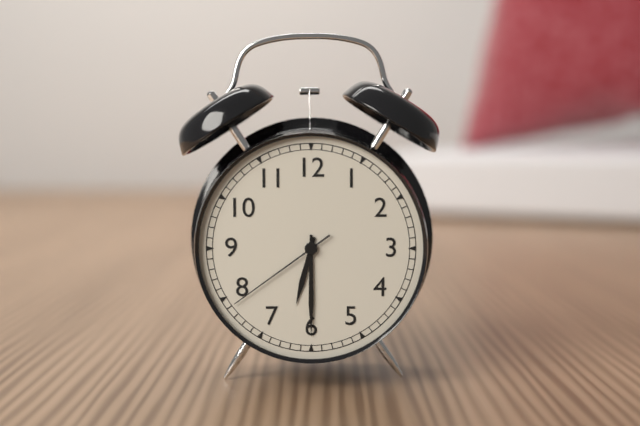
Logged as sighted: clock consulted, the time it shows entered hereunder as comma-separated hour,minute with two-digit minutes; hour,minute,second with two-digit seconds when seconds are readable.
6,30,39
